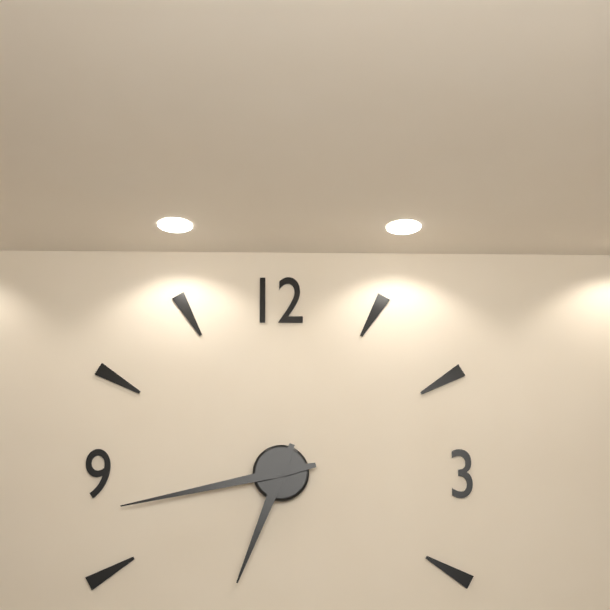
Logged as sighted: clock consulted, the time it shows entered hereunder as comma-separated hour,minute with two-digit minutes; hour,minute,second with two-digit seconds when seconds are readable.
6,43
